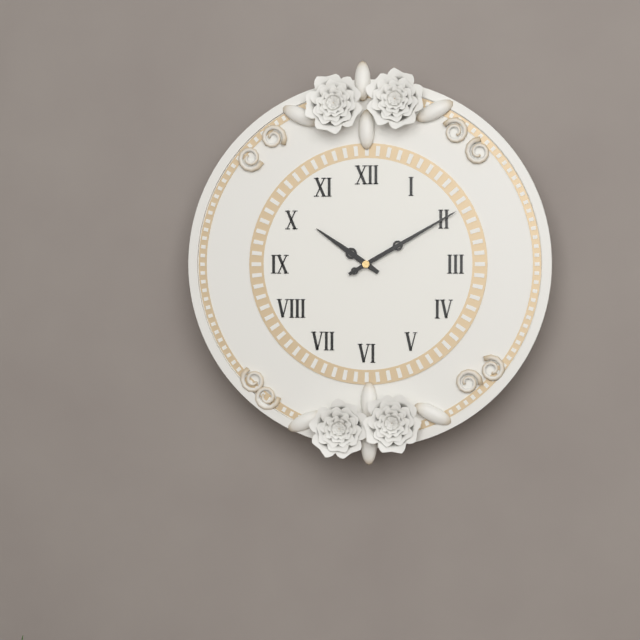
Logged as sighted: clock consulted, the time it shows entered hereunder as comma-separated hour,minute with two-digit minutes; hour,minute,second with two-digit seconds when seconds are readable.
10,10
